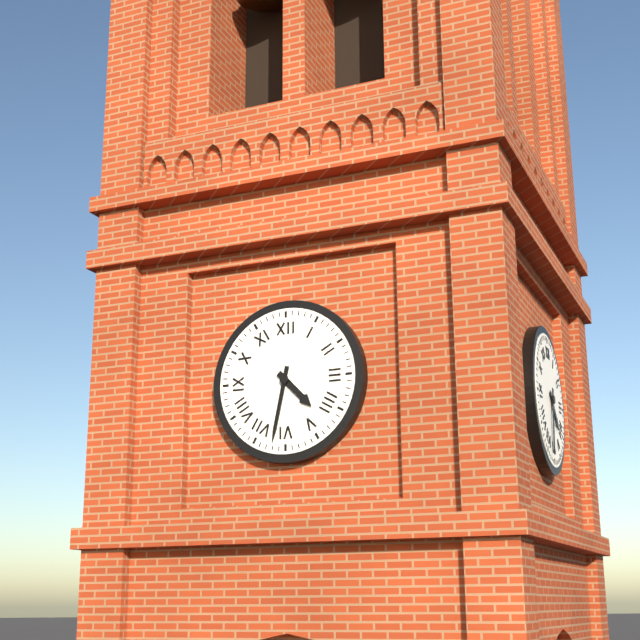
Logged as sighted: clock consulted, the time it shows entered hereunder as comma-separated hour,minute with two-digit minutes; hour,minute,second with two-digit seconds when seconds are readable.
4,32
